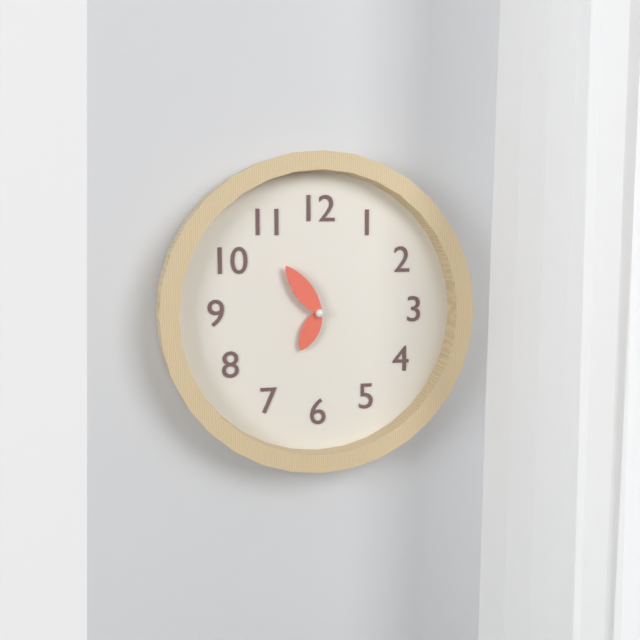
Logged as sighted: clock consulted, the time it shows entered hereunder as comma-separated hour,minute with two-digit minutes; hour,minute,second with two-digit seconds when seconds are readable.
6,54
